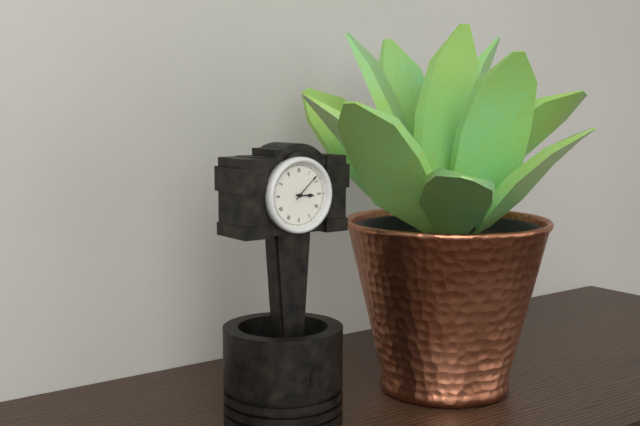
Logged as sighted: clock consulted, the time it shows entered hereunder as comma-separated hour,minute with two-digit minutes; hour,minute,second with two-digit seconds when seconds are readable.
3,08
